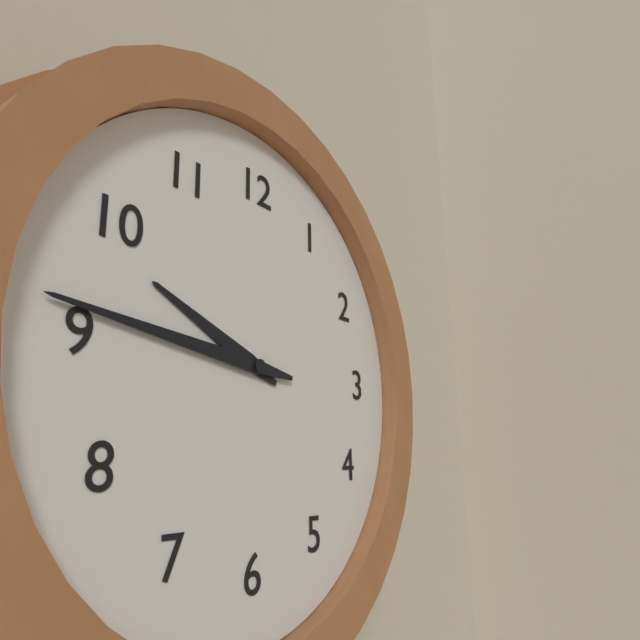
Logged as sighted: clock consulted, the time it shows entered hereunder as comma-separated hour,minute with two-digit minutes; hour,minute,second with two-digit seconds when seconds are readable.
9,46
